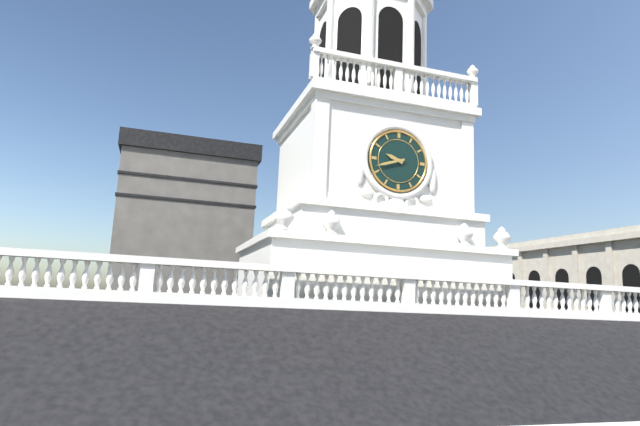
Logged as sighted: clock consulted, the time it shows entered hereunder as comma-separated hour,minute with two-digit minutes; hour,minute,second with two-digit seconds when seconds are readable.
9,42
